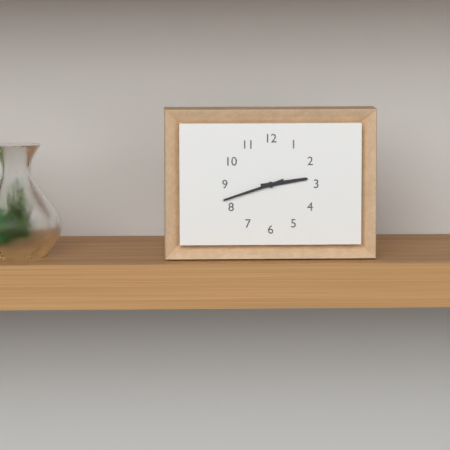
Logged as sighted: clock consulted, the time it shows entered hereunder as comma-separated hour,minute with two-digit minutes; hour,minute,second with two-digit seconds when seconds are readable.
2,42
